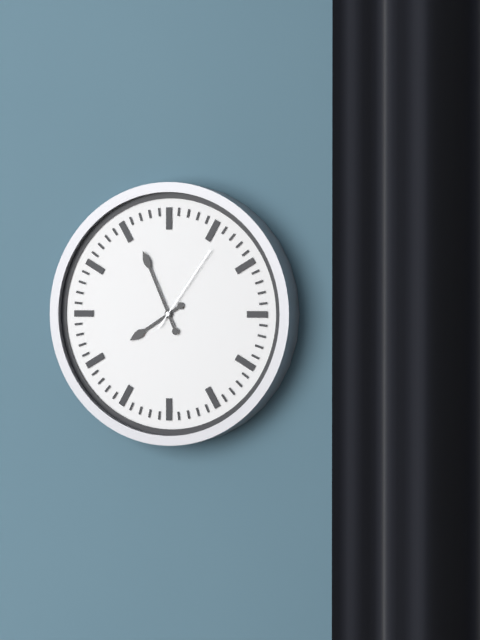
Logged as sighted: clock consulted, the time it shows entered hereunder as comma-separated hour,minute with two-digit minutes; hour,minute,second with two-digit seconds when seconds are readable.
7,56,06
